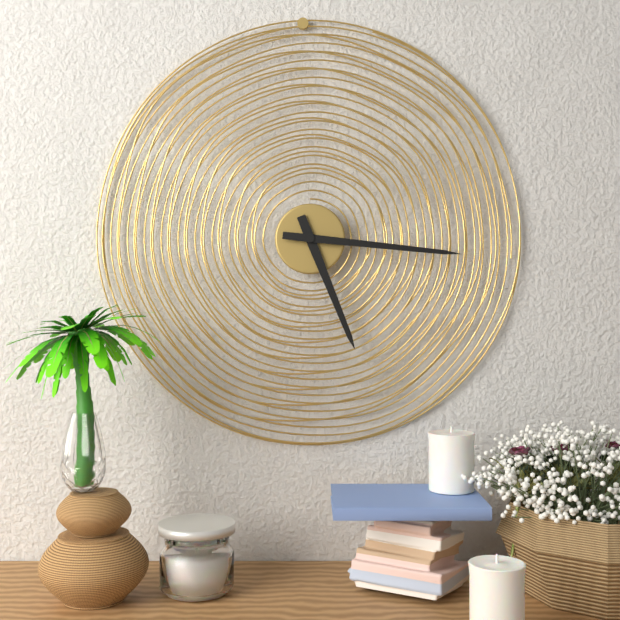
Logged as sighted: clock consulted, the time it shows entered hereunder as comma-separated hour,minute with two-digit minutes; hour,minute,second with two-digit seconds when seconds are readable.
5,16
